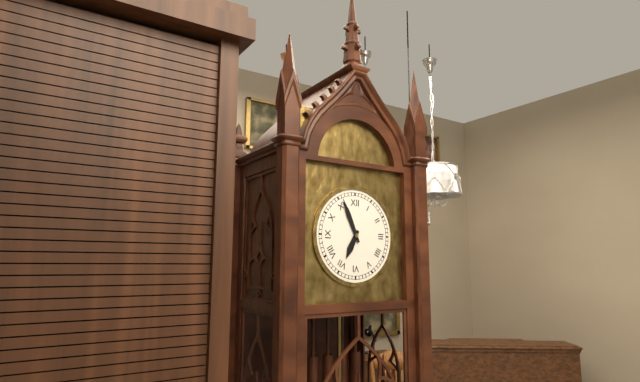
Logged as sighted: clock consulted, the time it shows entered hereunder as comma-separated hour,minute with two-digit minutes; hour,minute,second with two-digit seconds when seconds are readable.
6,56
